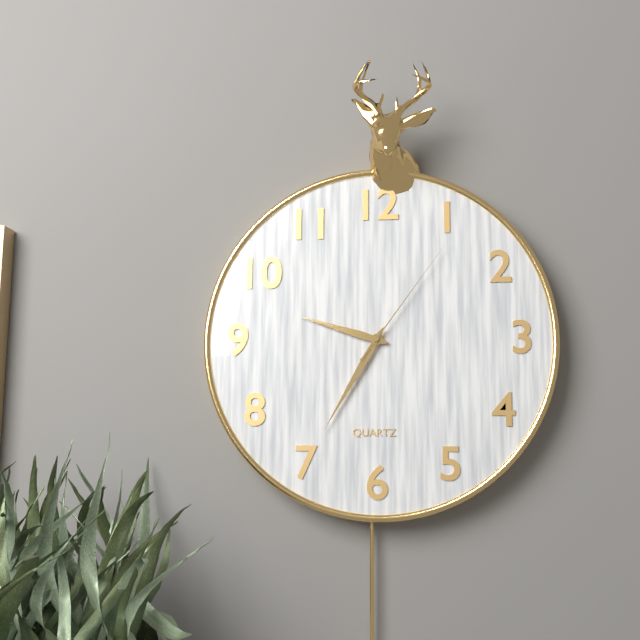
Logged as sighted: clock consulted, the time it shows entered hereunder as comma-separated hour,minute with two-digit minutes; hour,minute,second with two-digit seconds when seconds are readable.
9,35,06
